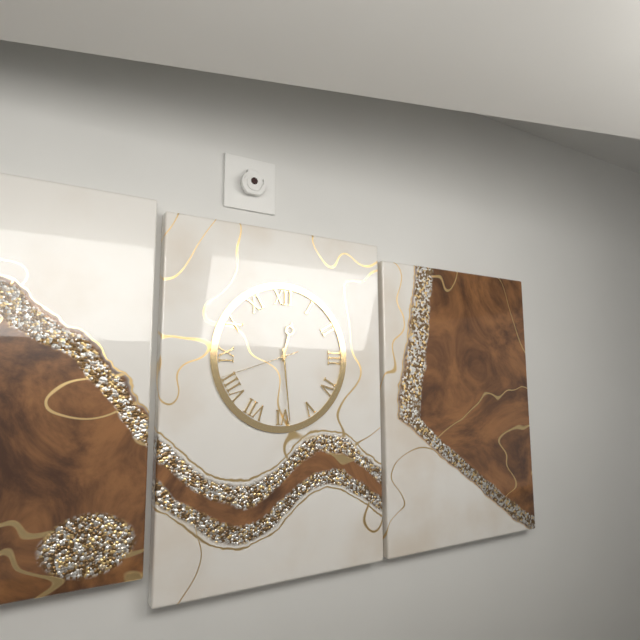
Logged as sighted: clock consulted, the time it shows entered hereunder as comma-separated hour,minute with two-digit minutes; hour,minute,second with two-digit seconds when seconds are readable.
12,29,42
